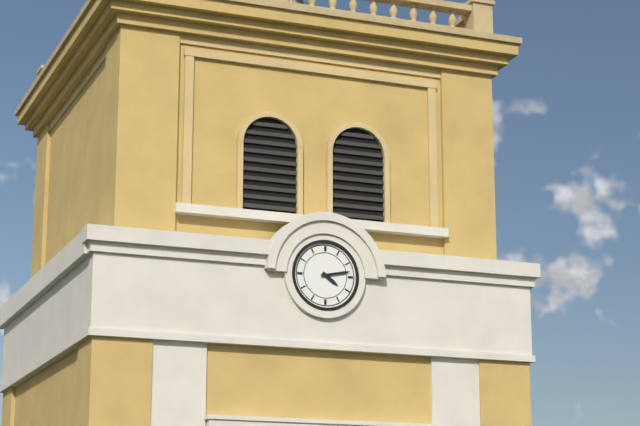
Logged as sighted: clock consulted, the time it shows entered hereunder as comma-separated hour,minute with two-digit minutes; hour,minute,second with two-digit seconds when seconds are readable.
4,13
